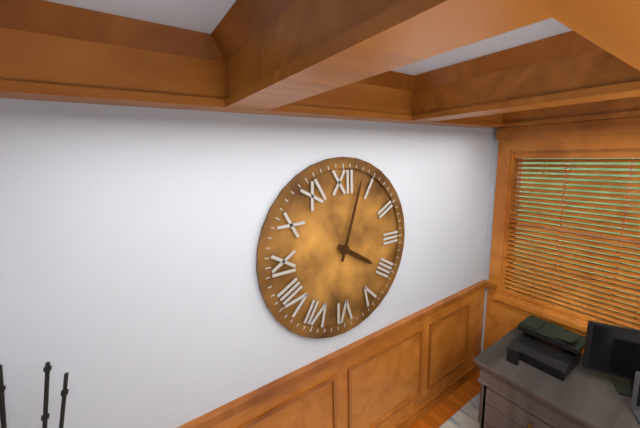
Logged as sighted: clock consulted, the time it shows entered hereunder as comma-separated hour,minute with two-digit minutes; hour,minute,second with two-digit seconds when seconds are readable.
4,03
